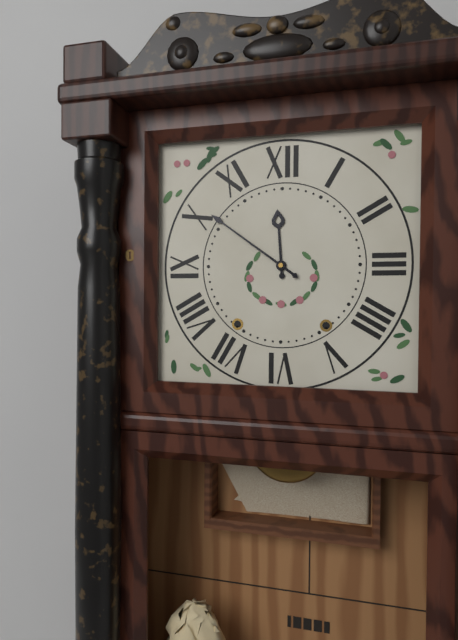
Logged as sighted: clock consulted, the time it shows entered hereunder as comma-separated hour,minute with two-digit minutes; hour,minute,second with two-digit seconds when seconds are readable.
11,51
